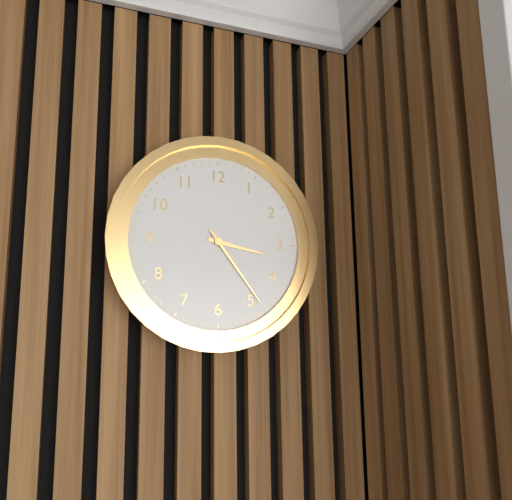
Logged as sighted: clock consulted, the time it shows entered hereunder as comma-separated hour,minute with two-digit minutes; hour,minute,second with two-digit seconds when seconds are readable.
3,24
